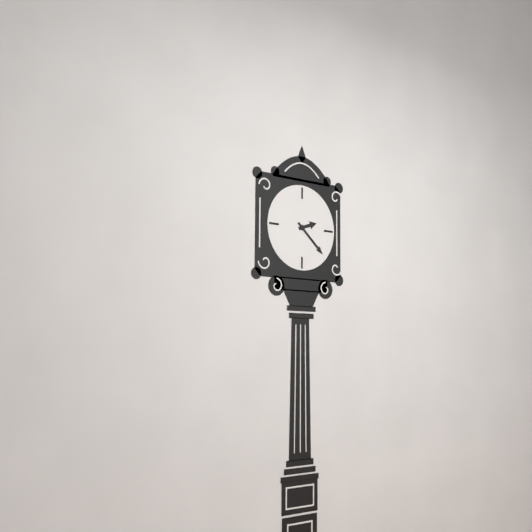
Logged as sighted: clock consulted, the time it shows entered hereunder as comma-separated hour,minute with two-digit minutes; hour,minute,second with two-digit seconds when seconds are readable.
2,22
